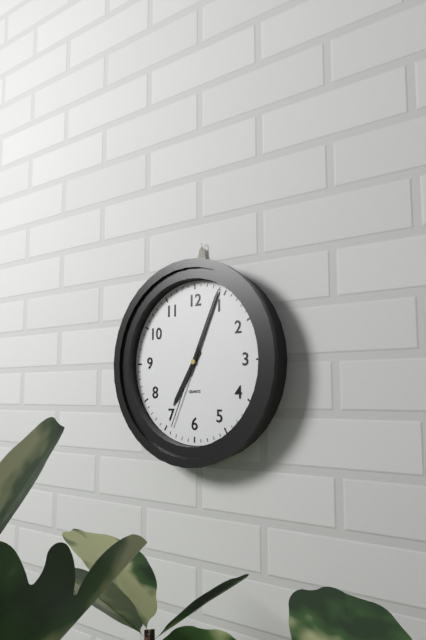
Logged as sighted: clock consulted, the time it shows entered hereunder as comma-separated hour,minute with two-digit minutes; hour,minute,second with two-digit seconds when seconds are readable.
7,04,34
